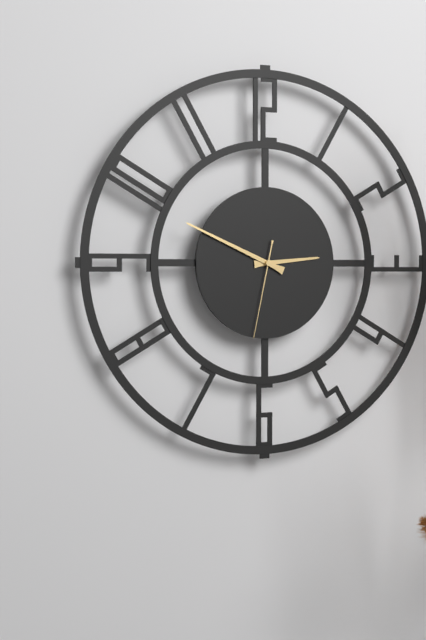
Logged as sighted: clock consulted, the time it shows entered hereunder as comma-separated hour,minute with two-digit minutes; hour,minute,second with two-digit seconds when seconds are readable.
2,49,32
